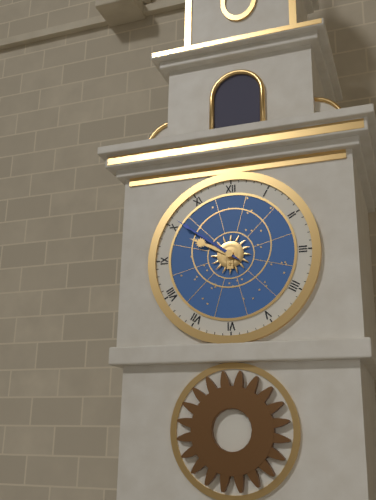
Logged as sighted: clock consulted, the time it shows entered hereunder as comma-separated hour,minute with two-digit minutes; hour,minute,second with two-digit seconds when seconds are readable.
9,51
